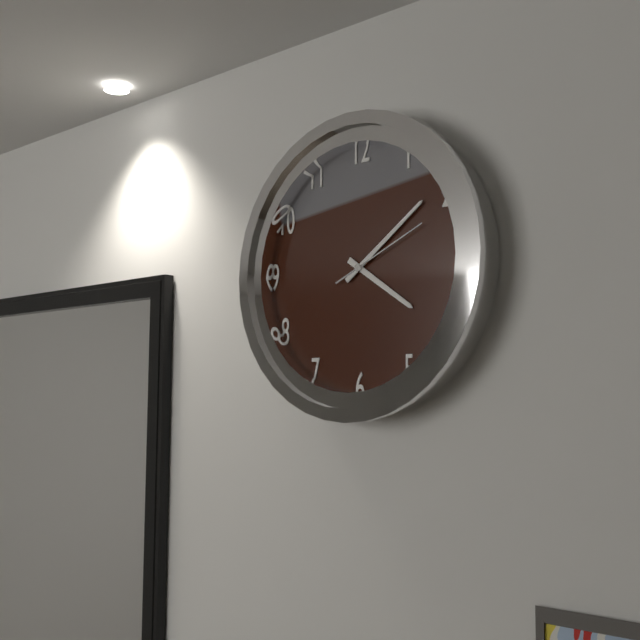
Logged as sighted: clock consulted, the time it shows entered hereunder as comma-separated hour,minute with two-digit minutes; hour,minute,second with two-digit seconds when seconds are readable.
4,09,11
